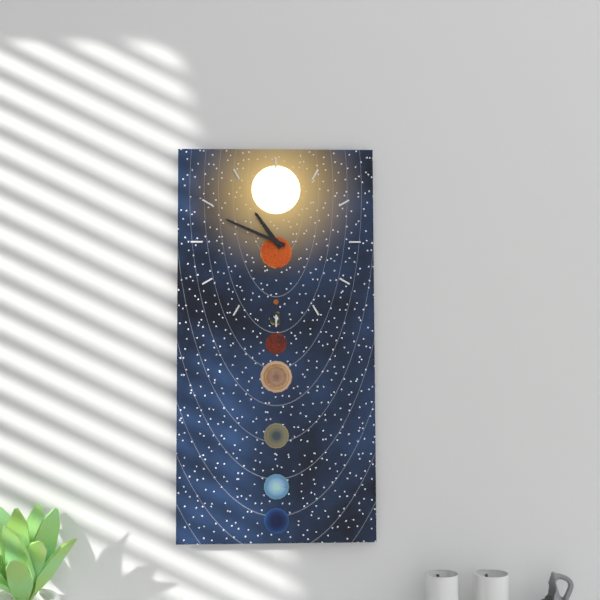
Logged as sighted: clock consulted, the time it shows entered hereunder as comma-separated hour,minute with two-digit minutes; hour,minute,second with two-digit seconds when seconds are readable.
10,49
